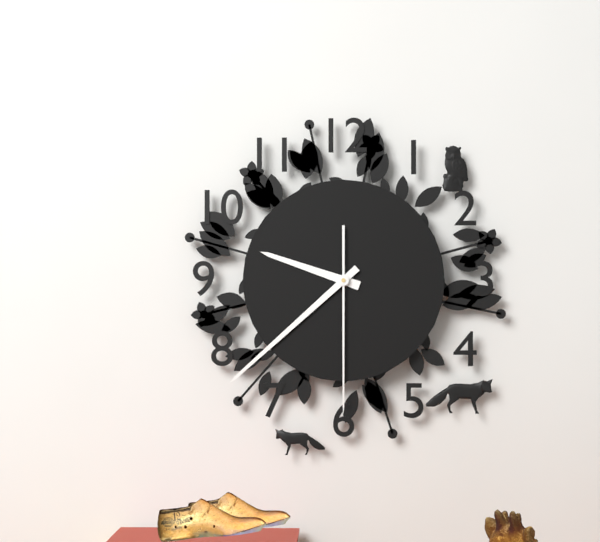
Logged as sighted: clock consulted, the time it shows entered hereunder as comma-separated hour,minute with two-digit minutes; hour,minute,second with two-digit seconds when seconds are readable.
9,38,30
